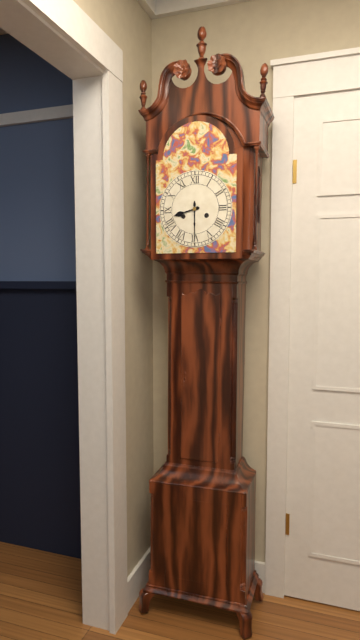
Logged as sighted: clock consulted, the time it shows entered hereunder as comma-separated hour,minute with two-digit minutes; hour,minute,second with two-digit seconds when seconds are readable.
8,30
